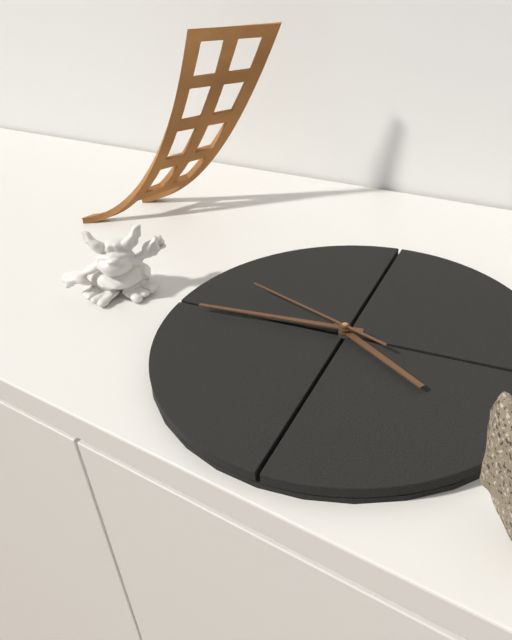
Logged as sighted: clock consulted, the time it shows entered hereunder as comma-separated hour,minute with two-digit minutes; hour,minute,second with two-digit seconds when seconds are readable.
4,48,52
